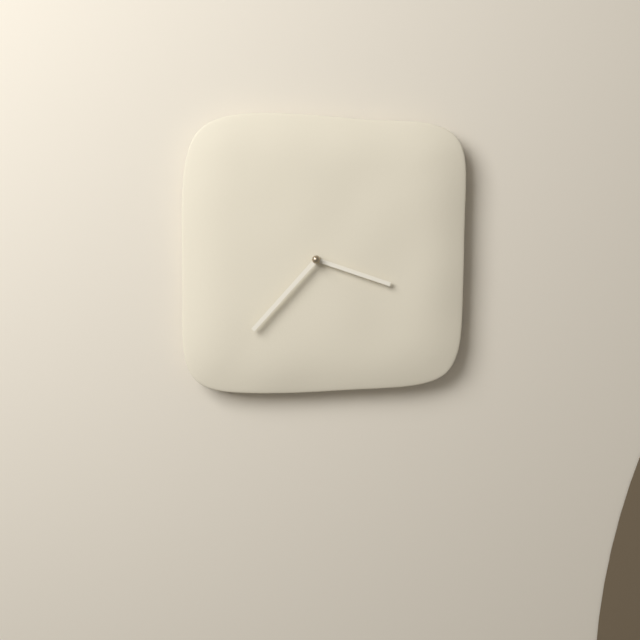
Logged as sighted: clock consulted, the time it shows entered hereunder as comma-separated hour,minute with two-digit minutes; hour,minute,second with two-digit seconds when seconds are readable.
3,37
